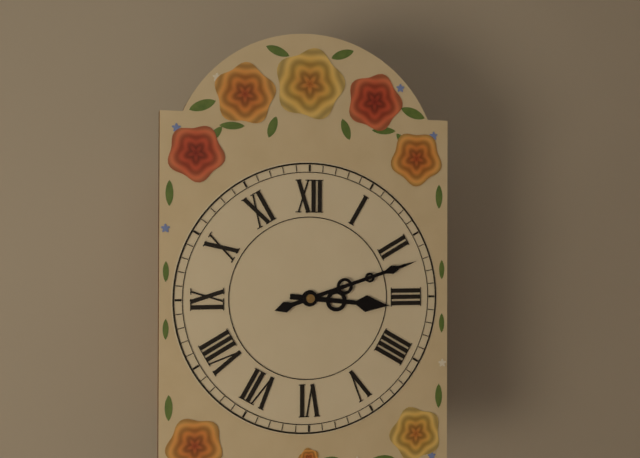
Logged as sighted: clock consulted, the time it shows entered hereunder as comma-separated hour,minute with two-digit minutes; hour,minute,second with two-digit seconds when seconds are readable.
3,12
